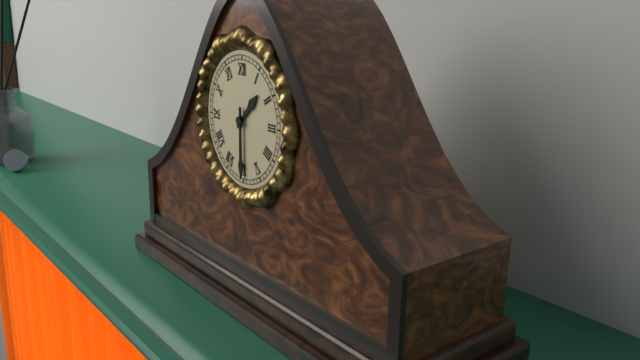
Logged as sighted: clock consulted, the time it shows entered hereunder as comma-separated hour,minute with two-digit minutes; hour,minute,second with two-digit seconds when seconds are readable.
1,30
